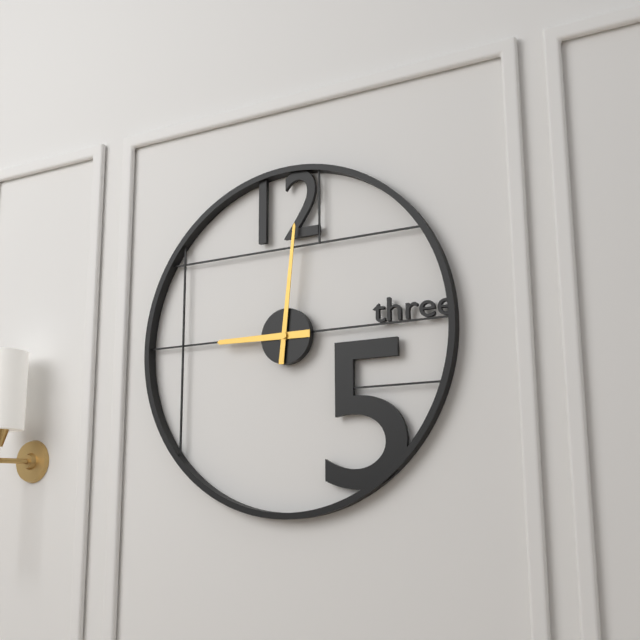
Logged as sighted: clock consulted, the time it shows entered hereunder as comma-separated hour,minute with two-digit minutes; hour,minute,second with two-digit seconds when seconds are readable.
9,01
